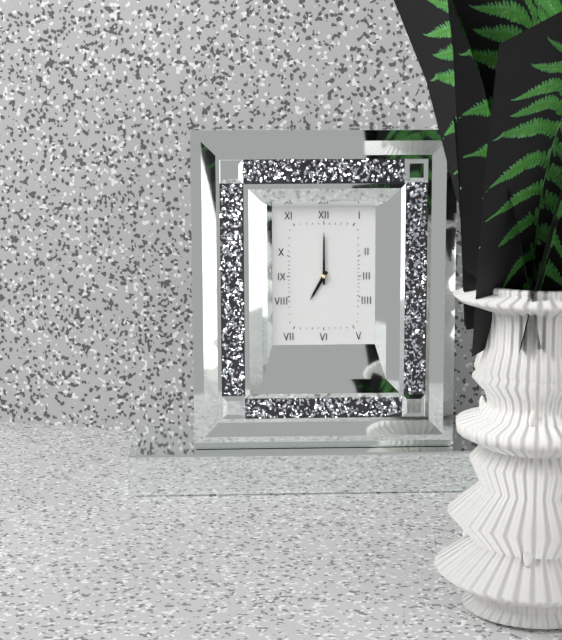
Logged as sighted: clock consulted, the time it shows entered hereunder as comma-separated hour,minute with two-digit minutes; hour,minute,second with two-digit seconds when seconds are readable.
7,00
